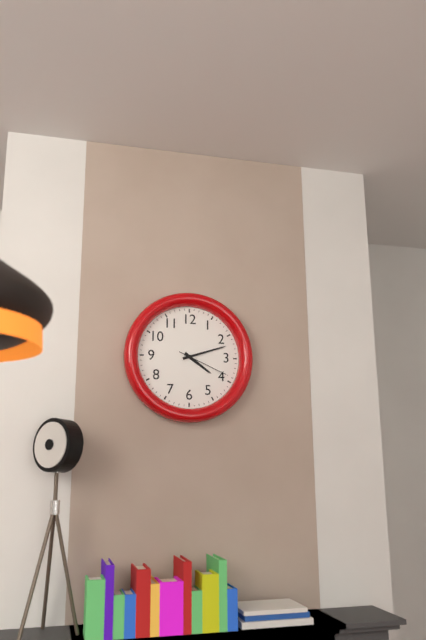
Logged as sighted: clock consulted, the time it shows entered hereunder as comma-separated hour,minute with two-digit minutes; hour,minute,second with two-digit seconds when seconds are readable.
4,12,19
